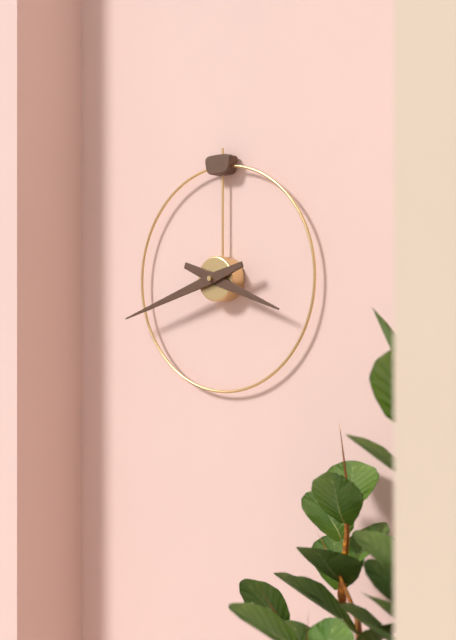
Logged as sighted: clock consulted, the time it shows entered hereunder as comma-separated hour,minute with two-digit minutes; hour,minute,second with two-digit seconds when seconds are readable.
3,42
